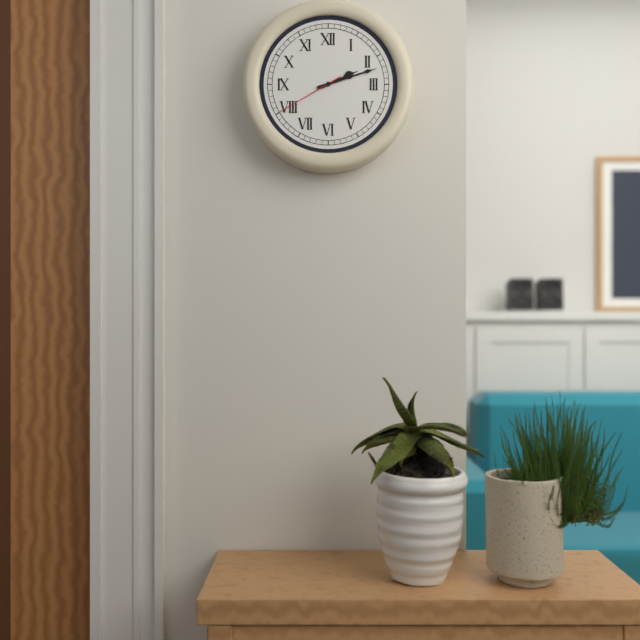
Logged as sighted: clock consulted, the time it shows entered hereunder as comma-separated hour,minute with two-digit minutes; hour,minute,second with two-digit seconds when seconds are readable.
2,12,40
